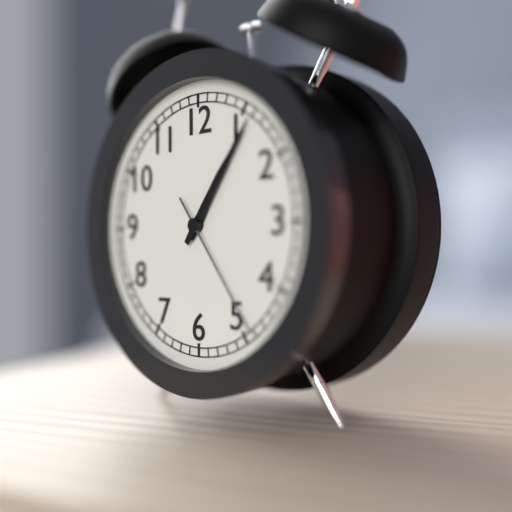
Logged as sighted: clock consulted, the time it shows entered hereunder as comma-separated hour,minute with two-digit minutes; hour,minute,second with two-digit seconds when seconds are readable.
1,06,24
